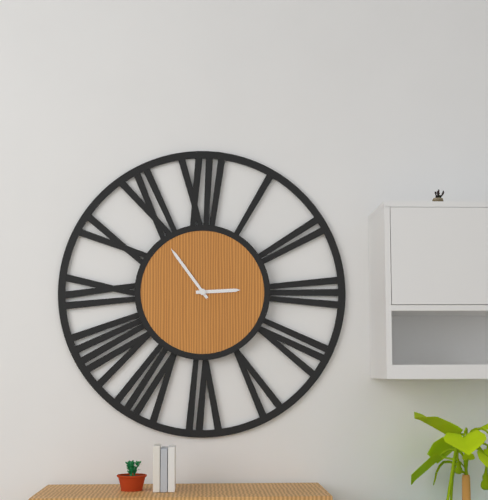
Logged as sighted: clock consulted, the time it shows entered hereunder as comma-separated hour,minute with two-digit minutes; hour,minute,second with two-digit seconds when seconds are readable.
2,54
